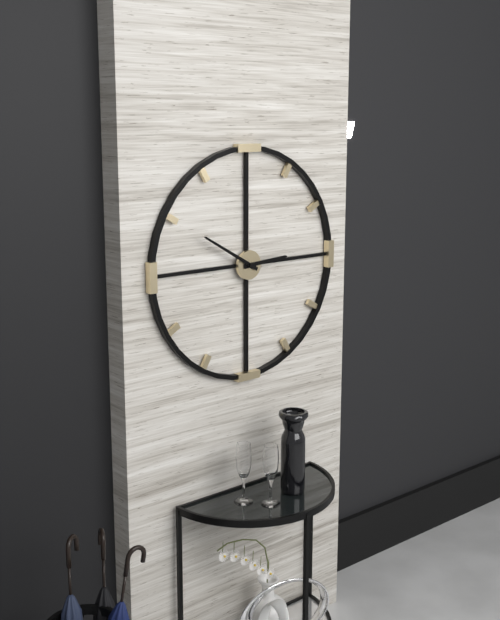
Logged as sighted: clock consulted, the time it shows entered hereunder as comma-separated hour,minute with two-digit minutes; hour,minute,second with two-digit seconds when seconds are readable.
2,50
